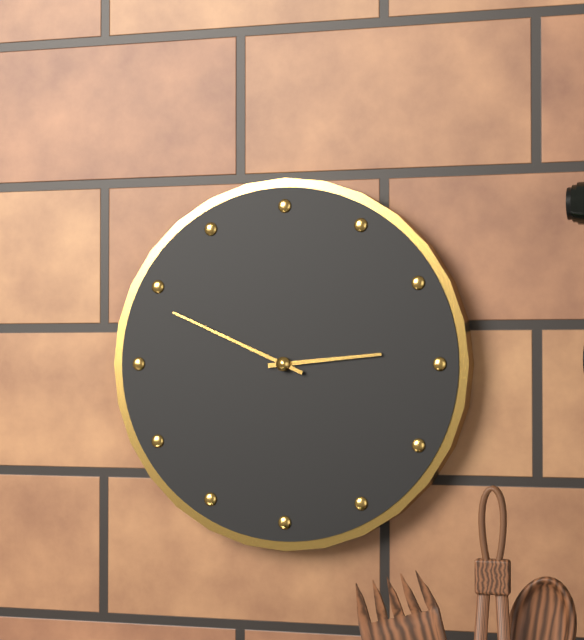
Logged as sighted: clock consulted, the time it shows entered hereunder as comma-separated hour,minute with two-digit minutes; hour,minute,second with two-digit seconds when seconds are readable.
2,49
